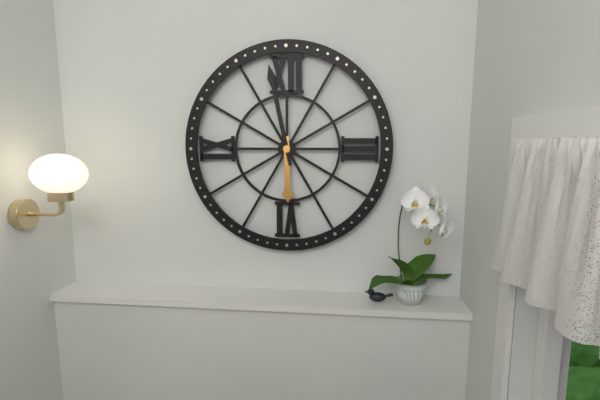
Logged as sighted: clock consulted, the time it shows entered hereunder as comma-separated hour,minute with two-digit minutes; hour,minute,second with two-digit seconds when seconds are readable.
5,58
